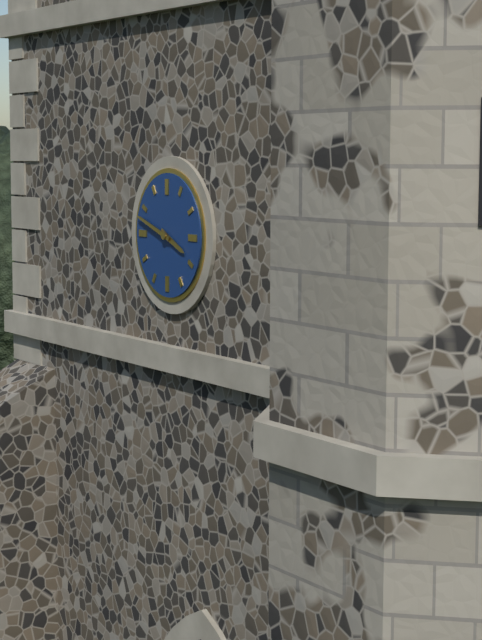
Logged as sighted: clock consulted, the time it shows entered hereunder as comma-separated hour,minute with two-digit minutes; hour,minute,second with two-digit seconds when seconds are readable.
3,48
